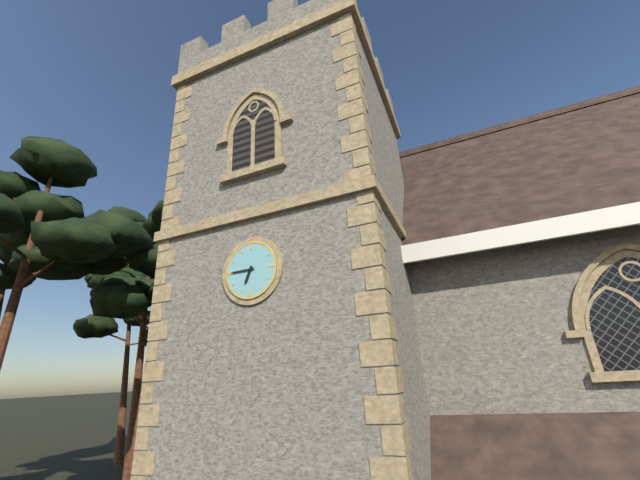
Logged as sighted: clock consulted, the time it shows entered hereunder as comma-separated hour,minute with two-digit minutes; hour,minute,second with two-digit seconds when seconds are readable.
6,45
